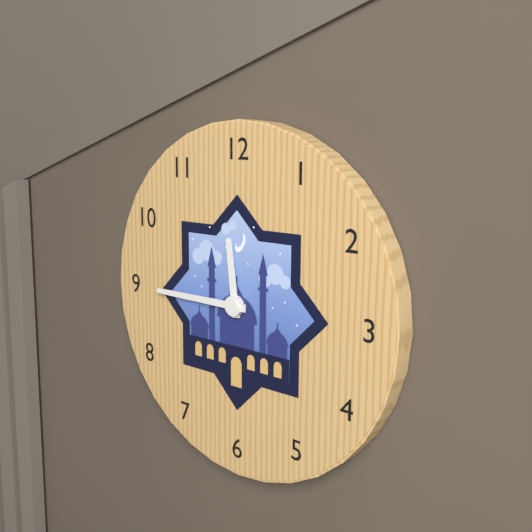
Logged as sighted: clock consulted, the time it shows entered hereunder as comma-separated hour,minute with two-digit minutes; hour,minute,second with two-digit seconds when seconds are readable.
11,45
